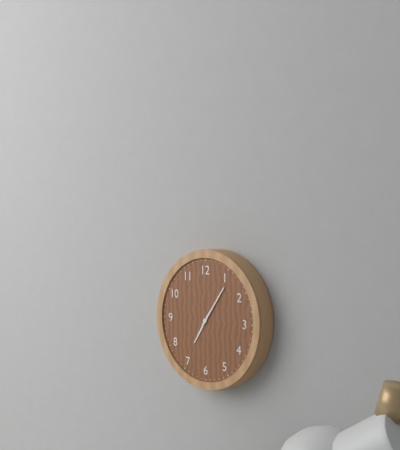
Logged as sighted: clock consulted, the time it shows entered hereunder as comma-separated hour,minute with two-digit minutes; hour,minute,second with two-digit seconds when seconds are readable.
7,06
